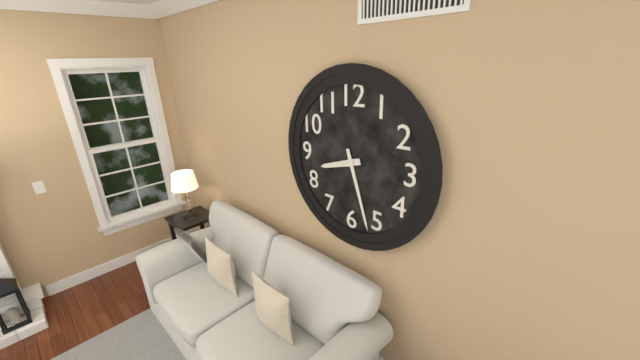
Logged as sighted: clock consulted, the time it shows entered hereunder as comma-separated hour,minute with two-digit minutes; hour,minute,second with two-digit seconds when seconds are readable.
8,27
